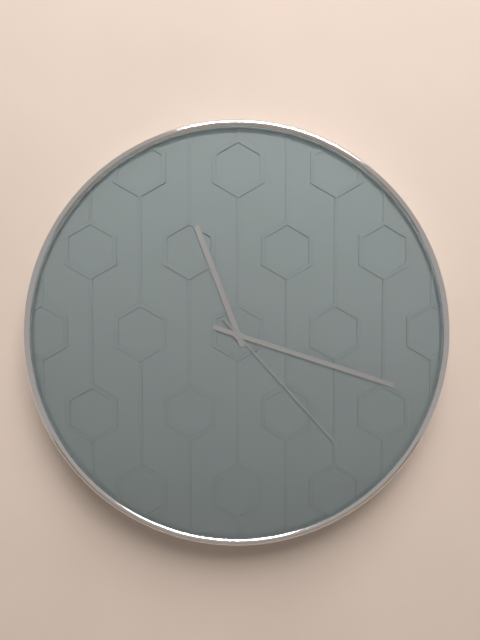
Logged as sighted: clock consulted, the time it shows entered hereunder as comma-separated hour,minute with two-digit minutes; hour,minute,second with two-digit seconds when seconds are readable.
11,18,23
